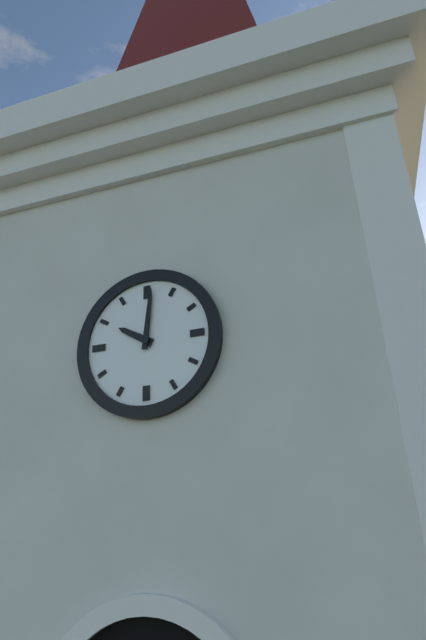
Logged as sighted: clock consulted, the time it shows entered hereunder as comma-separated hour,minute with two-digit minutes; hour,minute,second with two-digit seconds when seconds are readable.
10,01
